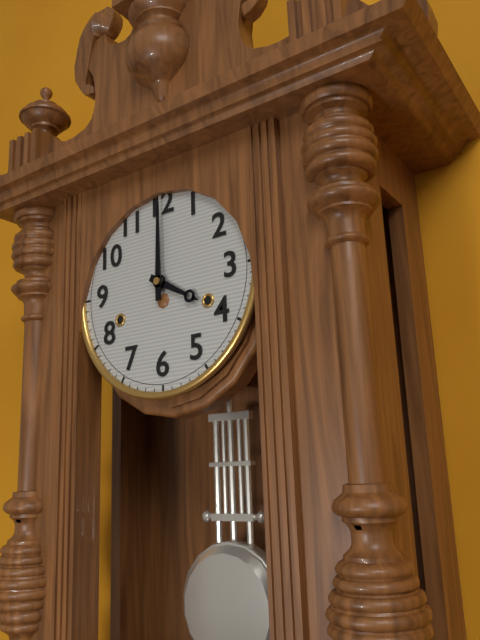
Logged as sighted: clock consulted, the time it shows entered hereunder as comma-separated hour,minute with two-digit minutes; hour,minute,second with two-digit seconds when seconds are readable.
4,00
